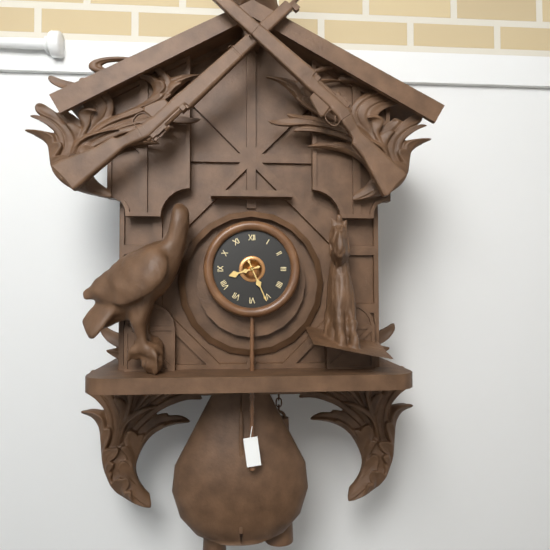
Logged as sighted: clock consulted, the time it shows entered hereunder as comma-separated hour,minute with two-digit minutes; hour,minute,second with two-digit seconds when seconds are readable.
8,26
